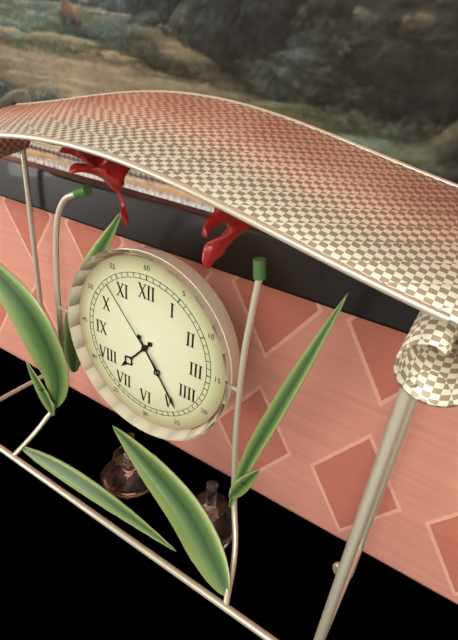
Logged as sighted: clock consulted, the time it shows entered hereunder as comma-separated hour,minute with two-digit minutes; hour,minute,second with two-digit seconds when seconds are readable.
7,24,53
